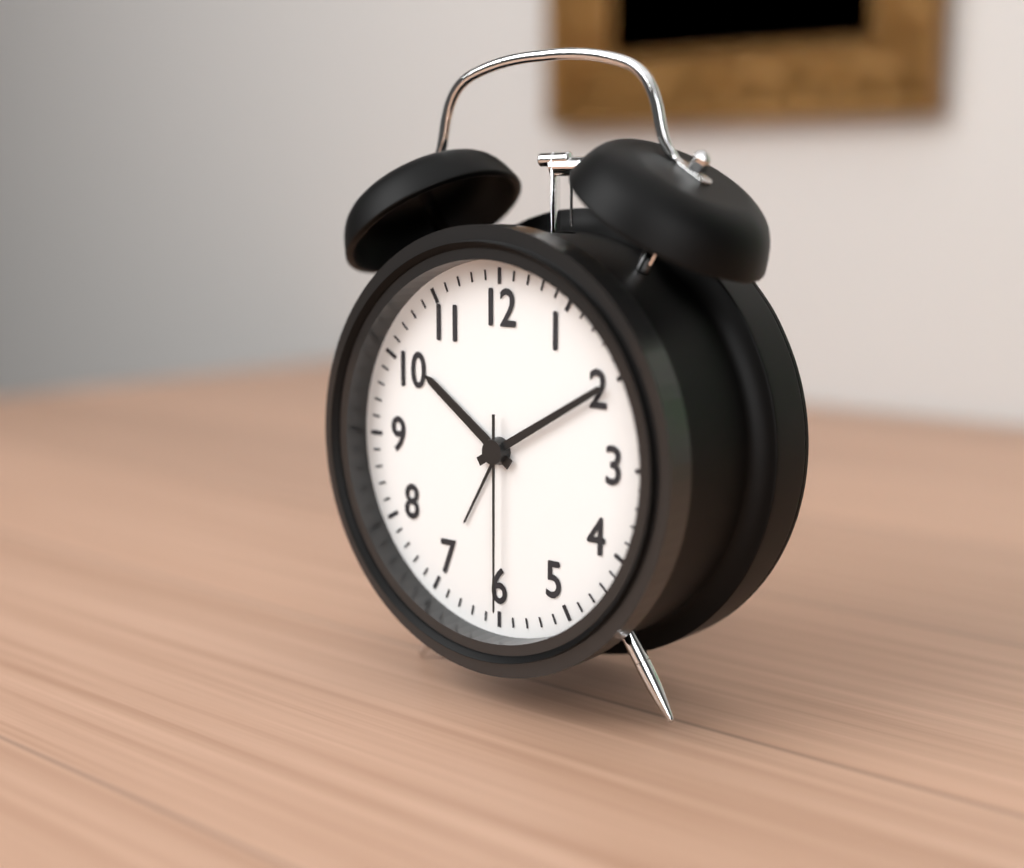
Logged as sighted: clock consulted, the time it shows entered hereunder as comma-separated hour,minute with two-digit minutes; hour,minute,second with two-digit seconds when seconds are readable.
10,10,30
